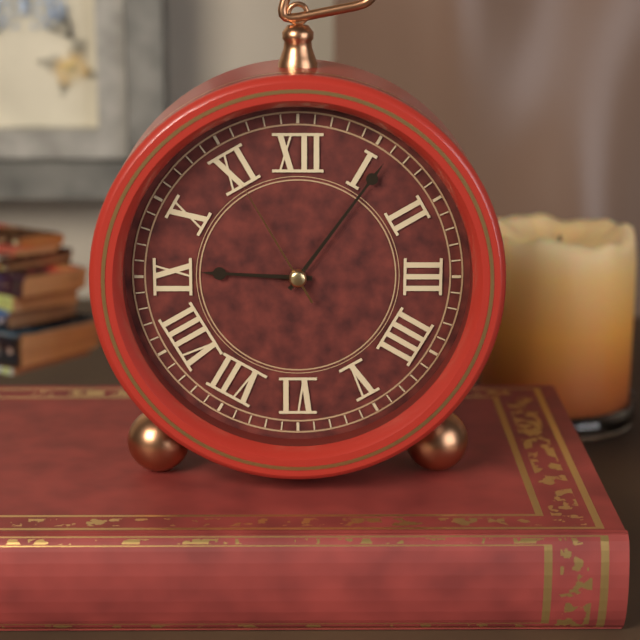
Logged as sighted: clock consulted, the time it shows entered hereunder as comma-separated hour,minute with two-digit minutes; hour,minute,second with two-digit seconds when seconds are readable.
9,06,55
